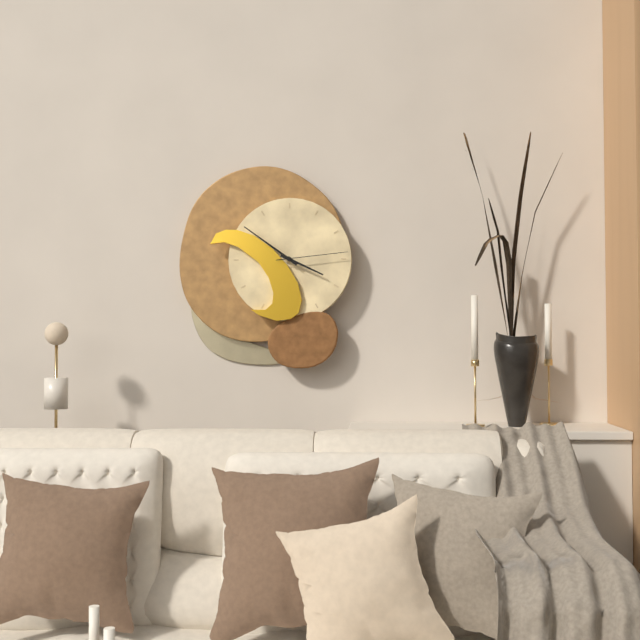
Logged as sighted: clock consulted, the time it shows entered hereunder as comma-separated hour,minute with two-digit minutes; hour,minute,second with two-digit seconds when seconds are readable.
3,51,14
